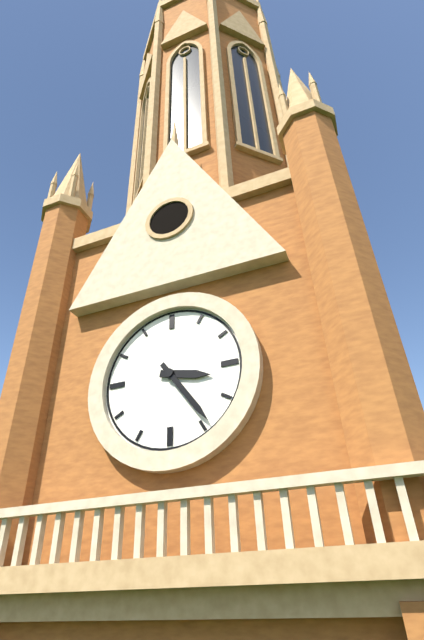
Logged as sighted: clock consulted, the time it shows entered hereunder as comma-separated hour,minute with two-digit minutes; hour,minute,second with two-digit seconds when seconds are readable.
3,24
